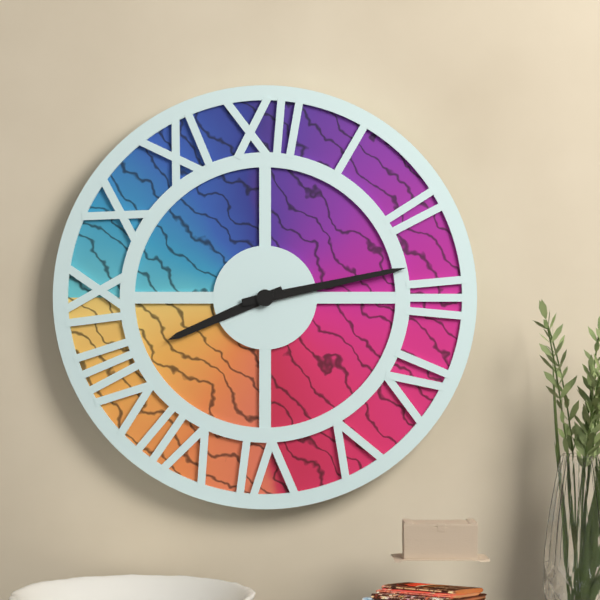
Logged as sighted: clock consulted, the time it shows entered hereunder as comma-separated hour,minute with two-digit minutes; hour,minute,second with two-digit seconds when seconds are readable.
8,13
